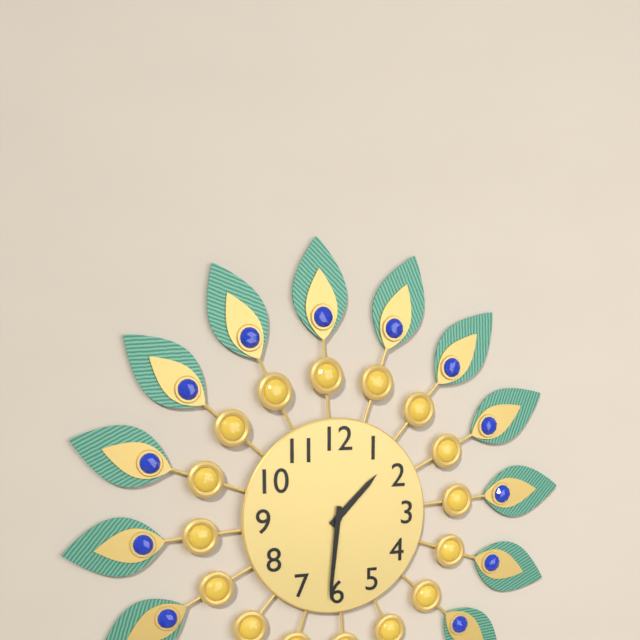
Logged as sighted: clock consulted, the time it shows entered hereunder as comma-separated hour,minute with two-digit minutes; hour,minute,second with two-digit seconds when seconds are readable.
1,31
